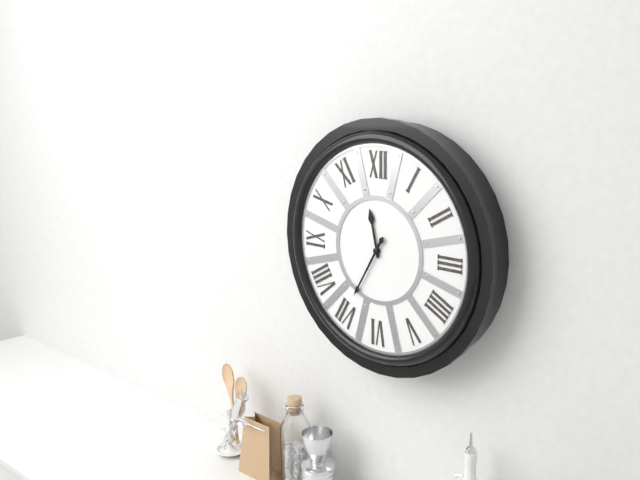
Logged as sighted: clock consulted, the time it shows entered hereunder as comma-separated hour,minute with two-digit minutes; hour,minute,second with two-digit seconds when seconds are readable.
11,35
